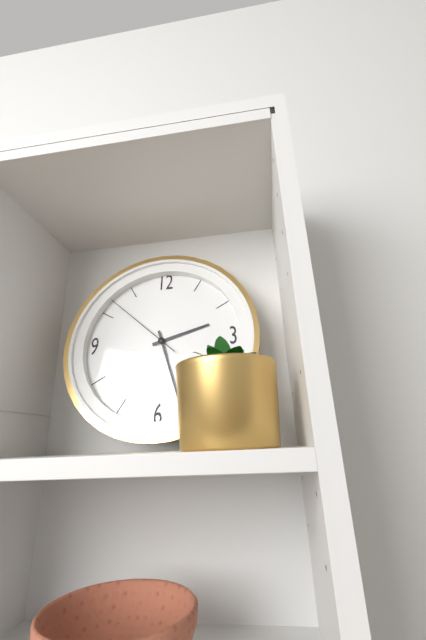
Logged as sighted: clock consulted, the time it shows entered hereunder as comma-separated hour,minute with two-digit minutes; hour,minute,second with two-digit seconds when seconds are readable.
2,27,52
